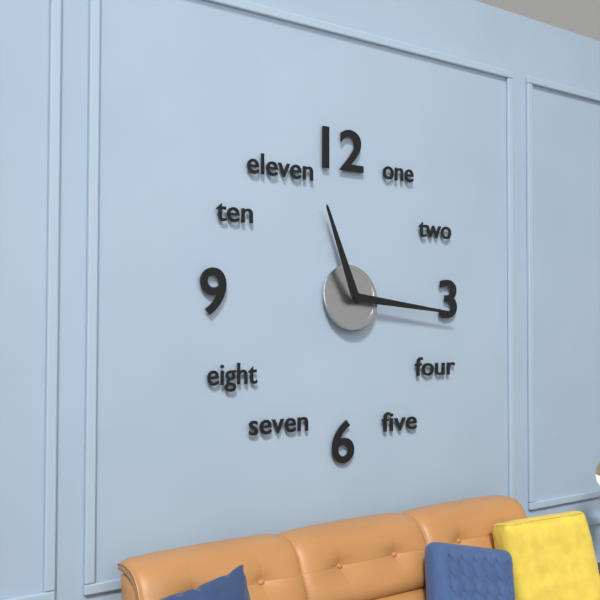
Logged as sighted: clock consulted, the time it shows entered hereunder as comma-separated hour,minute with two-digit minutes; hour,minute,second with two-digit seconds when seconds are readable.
11,16
